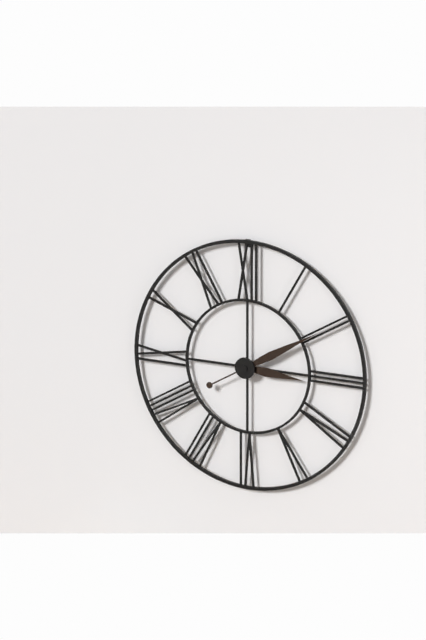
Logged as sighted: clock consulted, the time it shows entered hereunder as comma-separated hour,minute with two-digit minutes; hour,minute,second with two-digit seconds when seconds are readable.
3,10
